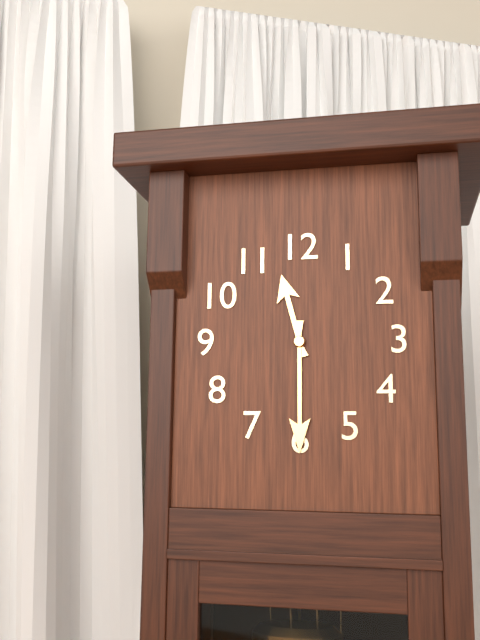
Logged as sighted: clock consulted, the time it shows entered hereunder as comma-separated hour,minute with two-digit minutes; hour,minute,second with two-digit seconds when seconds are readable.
11,30
